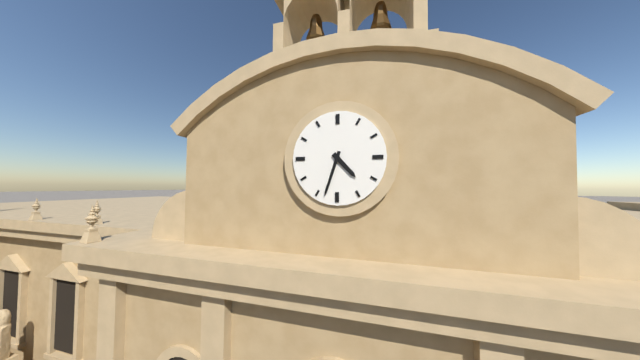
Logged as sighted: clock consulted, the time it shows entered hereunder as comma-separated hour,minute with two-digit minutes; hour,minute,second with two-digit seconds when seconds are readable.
4,33
